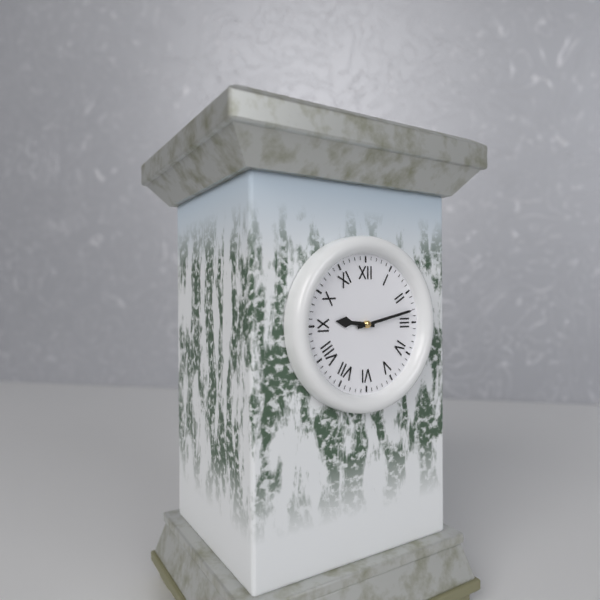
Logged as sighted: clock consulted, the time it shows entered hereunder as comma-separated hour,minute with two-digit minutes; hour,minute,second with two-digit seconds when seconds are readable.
9,13
